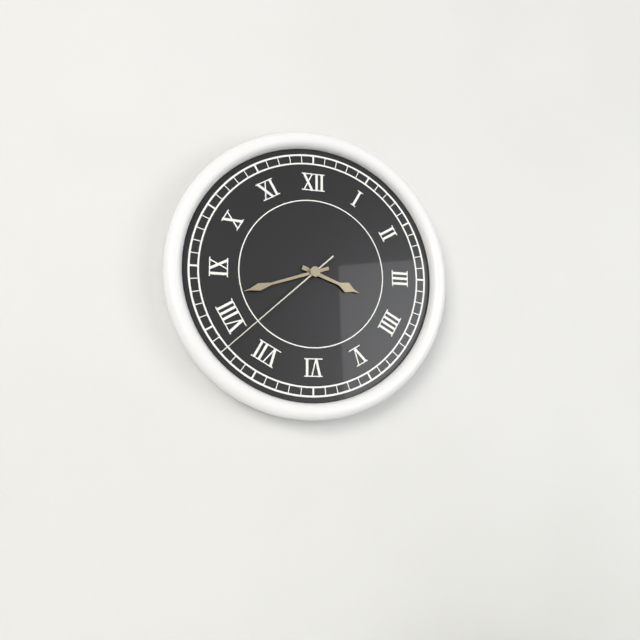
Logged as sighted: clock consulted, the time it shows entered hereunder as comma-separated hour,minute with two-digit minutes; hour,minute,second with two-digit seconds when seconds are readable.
3,42,38
